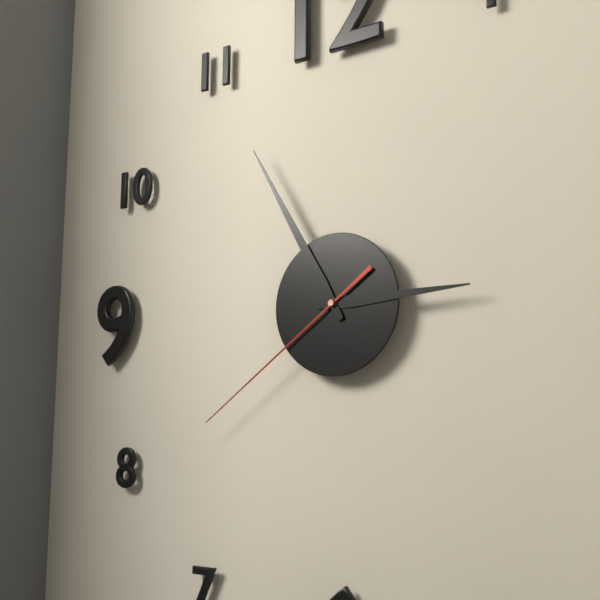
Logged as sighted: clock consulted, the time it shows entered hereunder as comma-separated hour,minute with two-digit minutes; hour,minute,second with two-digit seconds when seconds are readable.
2,55,39
